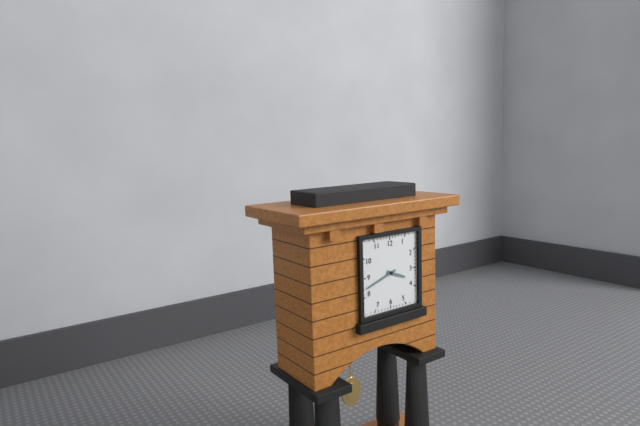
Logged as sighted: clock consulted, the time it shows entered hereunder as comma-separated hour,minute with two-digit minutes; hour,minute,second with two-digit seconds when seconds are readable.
3,42
